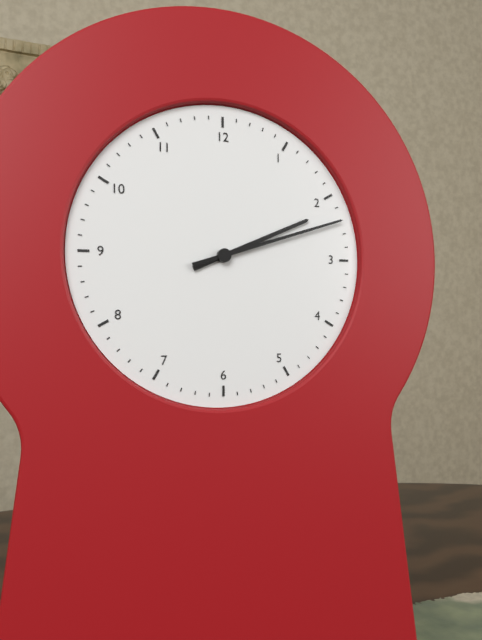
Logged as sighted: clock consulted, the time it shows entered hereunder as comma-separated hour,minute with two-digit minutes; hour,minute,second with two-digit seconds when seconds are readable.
2,12
